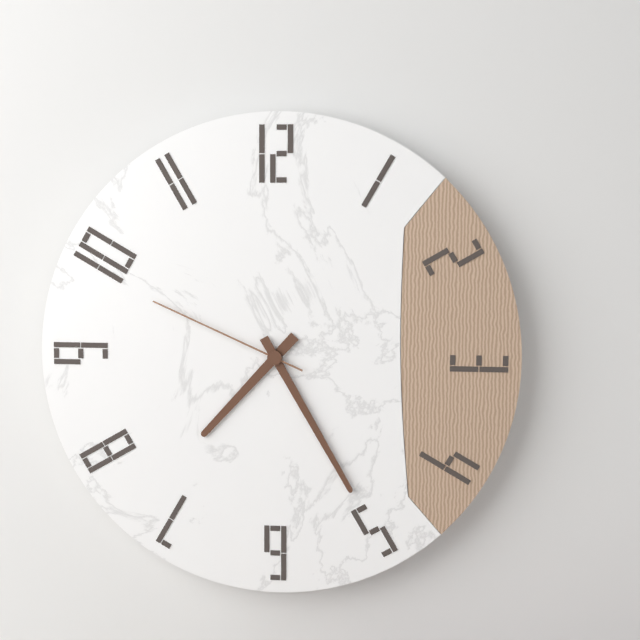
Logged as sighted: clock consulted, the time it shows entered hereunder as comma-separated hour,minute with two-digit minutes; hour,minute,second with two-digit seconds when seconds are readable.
7,25,49
